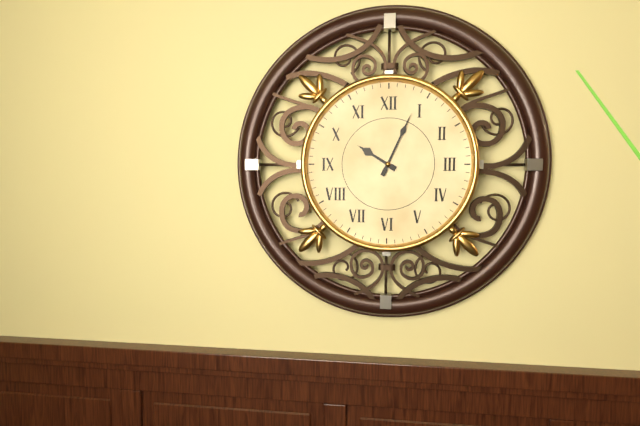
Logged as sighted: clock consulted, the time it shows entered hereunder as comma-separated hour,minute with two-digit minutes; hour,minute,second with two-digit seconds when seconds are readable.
10,04
